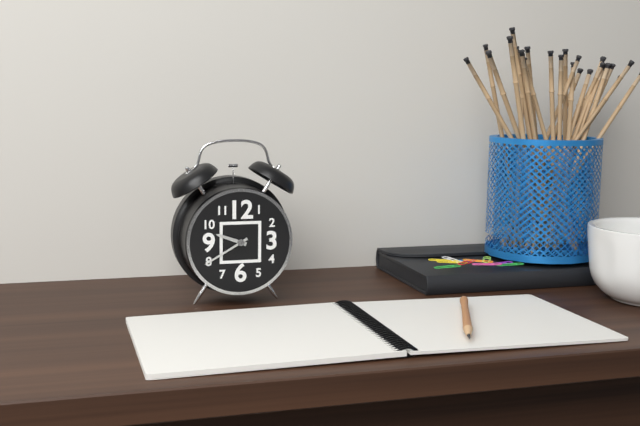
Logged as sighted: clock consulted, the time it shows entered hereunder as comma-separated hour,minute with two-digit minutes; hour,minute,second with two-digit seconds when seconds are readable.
9,40
